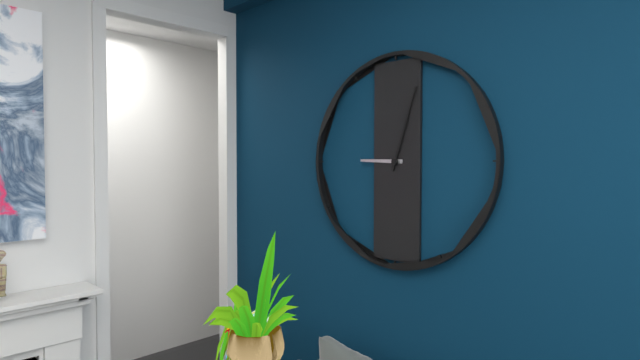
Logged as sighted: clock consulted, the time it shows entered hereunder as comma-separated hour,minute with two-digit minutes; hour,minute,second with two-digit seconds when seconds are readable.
9,03
